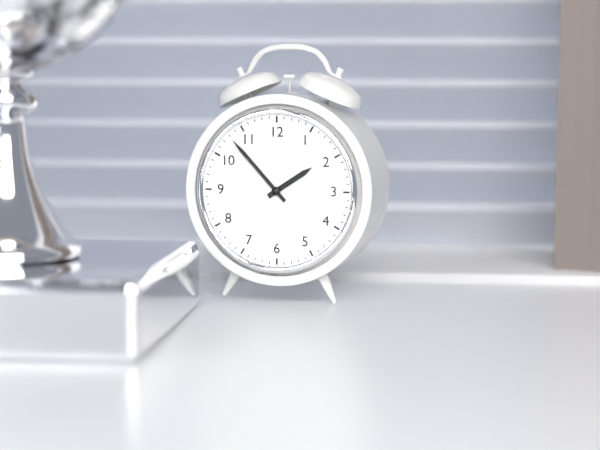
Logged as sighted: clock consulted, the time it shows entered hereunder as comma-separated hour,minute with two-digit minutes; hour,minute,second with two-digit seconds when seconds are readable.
1,53
